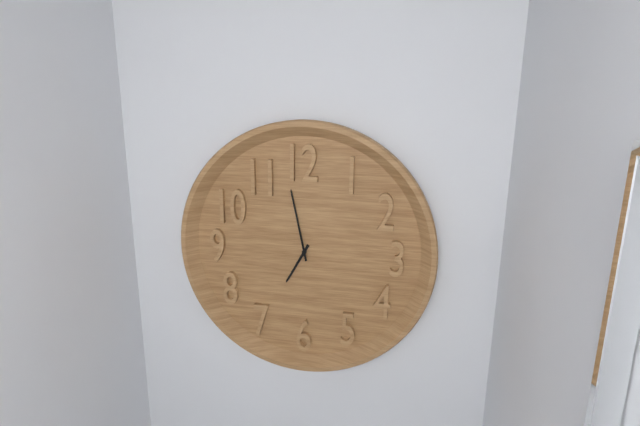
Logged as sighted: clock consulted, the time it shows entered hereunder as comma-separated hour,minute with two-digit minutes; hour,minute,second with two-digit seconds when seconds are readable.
6,58
